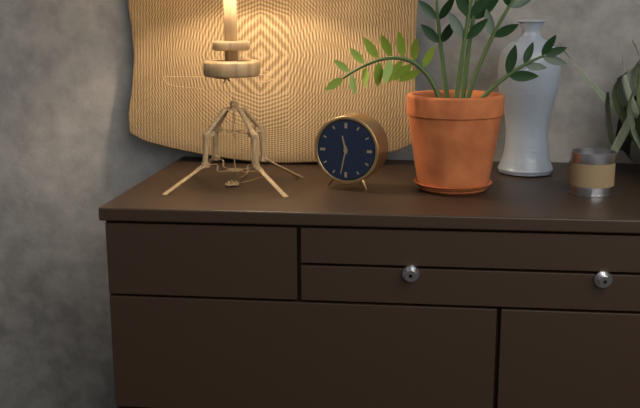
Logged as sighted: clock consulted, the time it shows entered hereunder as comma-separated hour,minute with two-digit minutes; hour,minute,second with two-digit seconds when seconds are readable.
11,32
